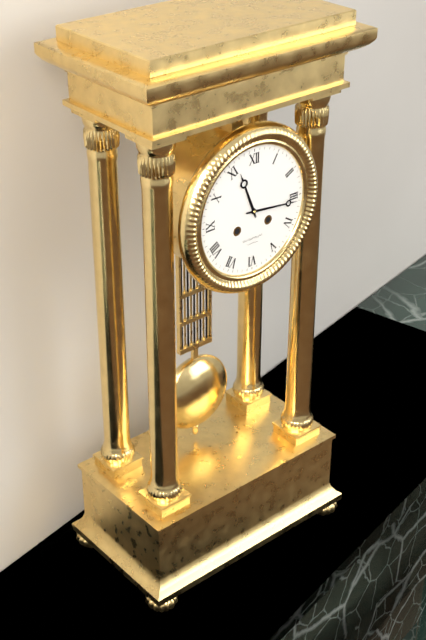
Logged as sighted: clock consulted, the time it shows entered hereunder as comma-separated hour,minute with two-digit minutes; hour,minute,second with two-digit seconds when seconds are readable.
11,16
